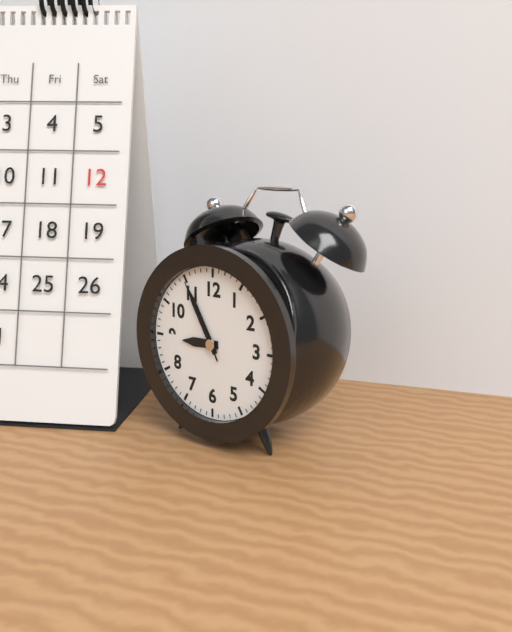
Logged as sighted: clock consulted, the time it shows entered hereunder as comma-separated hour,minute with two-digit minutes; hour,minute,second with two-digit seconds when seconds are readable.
8,55,55
